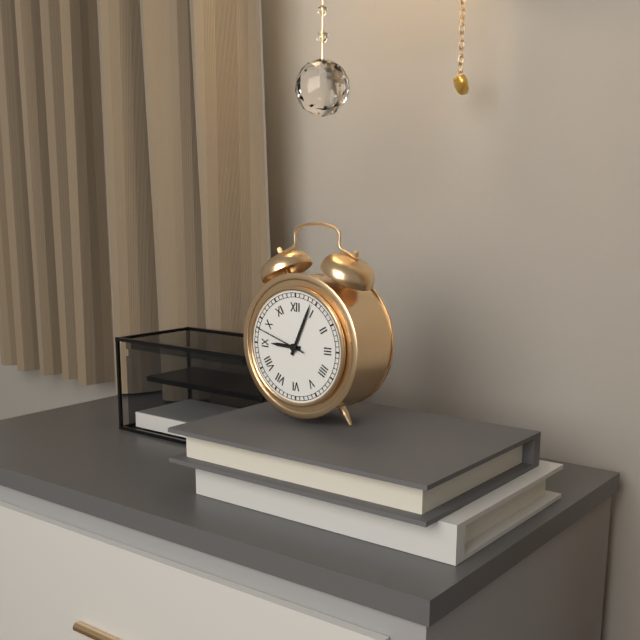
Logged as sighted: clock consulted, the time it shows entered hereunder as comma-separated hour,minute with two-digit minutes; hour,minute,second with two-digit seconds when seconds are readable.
9,04,48
